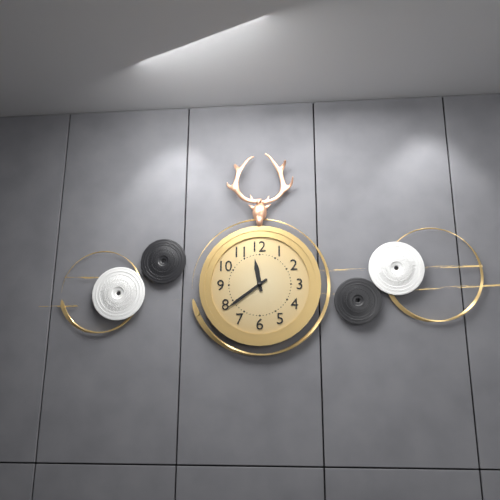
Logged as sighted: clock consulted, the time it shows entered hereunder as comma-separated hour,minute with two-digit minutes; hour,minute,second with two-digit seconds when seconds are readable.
11,39
